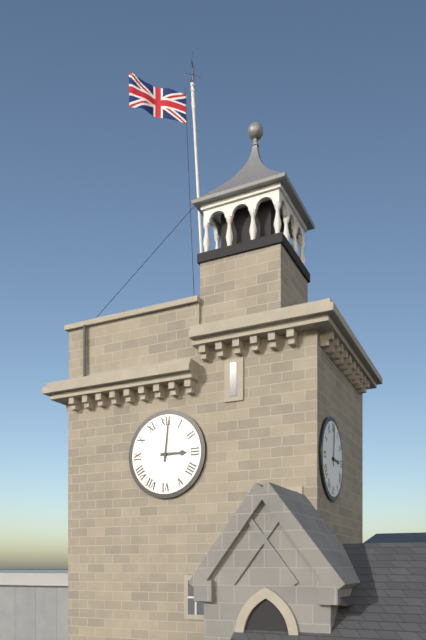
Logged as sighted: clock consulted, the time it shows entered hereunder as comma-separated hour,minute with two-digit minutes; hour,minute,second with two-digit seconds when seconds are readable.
3,01
